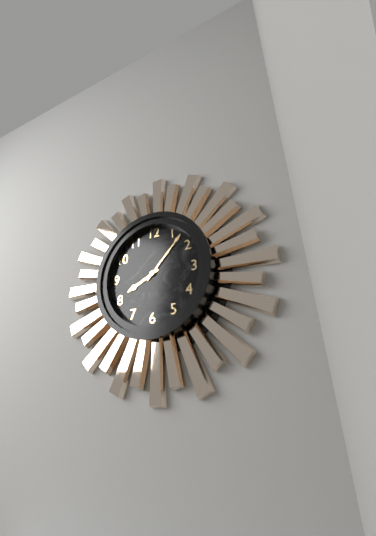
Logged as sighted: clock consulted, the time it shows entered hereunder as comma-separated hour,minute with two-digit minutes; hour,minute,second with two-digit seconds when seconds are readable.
8,07
